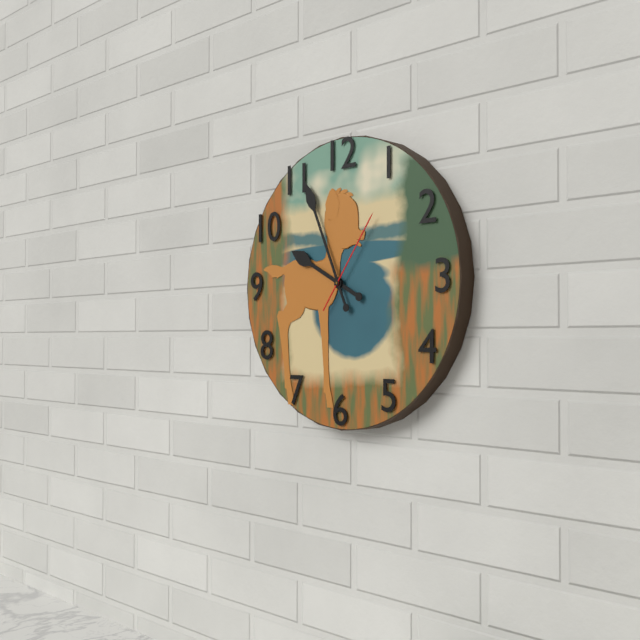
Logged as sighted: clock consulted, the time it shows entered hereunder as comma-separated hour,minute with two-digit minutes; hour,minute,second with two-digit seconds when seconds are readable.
9,56,06
